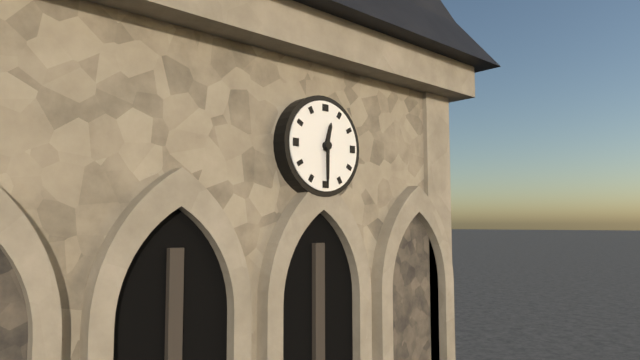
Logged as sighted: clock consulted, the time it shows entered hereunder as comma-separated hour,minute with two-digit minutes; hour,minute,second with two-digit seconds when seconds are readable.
12,30
